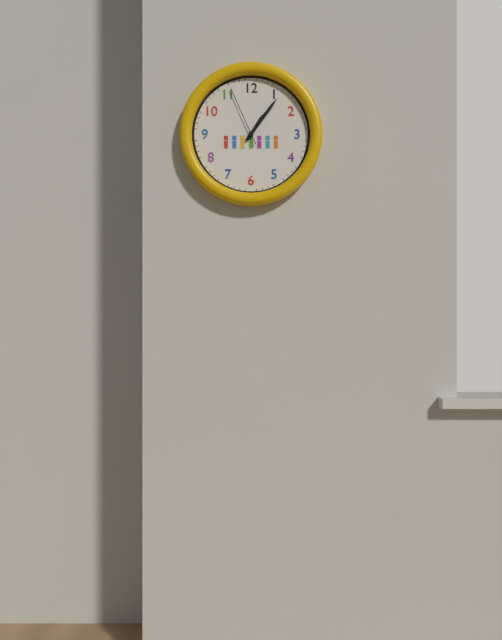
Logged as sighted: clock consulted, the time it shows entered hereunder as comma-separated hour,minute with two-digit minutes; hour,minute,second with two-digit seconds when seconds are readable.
1,06,56
